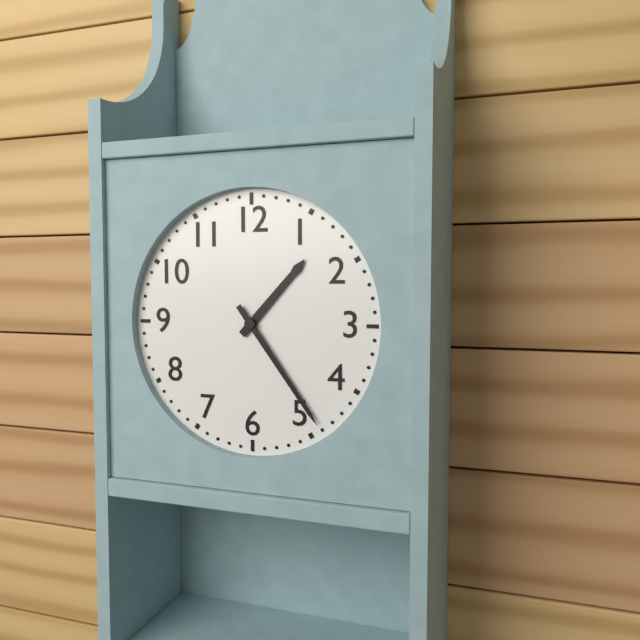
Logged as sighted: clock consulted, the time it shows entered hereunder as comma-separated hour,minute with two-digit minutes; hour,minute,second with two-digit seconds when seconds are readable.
1,24
